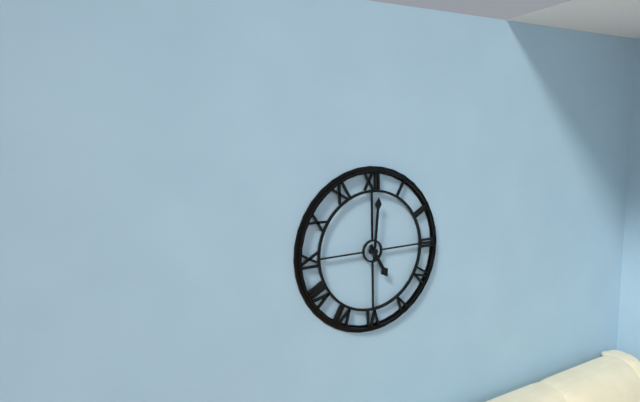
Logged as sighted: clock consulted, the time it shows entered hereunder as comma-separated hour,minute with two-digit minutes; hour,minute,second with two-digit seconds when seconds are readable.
5,01
